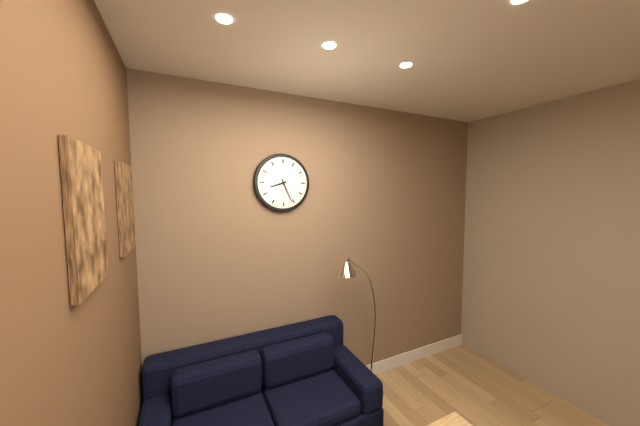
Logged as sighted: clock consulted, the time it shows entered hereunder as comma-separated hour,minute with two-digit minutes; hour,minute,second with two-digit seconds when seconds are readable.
8,26
